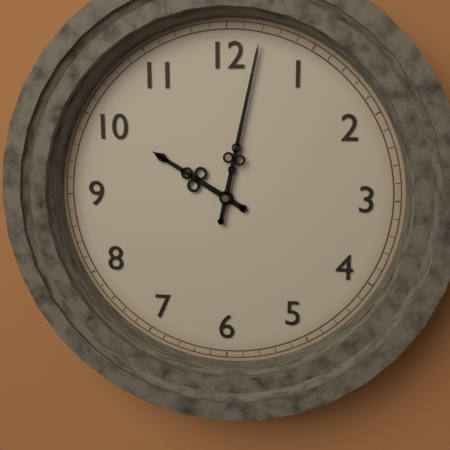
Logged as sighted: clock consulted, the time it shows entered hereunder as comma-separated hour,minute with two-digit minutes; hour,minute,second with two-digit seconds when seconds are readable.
10,02
